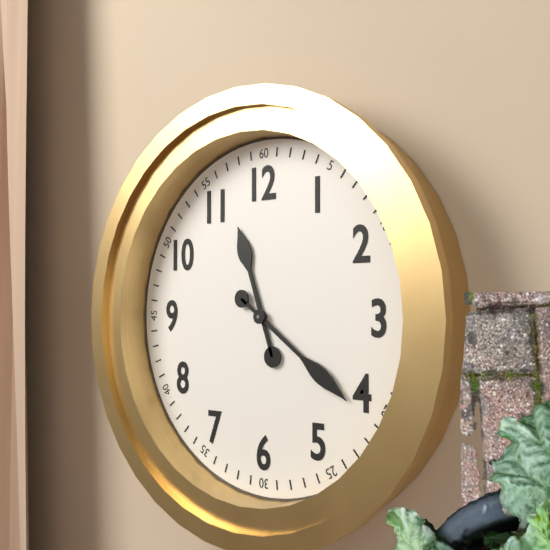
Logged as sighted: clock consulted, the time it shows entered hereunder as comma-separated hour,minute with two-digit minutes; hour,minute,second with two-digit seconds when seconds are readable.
11,21
